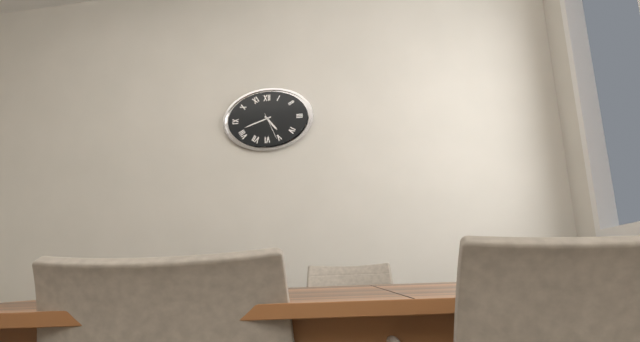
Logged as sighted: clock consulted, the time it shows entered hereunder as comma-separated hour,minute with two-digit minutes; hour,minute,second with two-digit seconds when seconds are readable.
4,42
